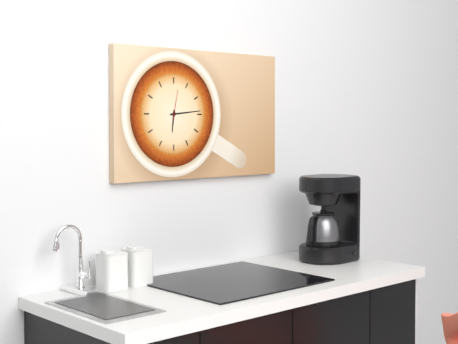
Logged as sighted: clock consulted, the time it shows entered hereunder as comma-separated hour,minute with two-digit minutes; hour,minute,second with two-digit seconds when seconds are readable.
6,14
